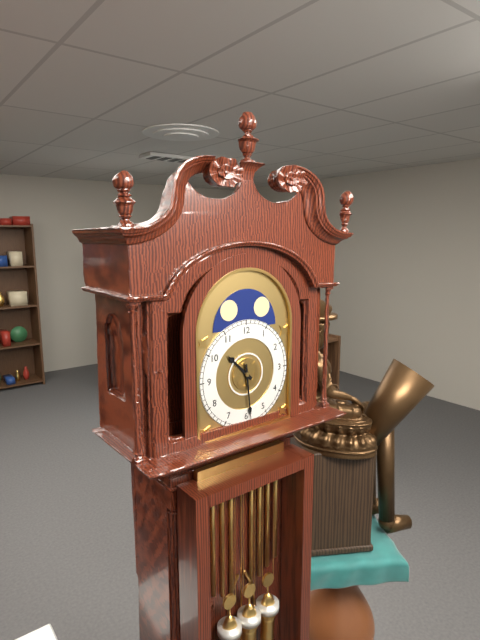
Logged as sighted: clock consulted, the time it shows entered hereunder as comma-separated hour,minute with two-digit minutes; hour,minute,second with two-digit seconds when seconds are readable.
10,29
